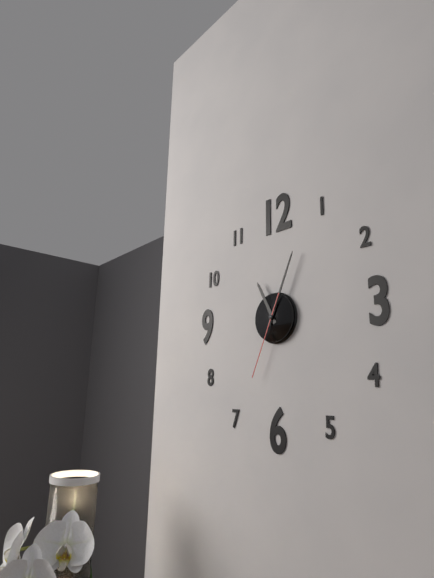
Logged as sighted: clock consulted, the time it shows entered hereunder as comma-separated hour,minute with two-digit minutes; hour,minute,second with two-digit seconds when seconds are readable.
11,04,34
